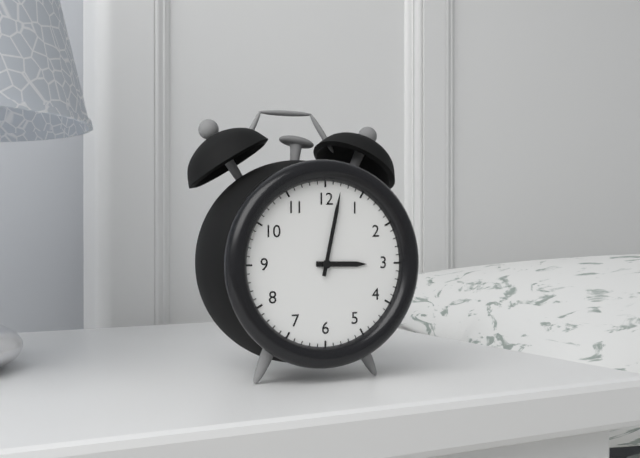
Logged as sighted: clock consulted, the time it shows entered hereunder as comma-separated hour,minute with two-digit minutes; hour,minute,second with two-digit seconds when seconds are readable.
3,02
